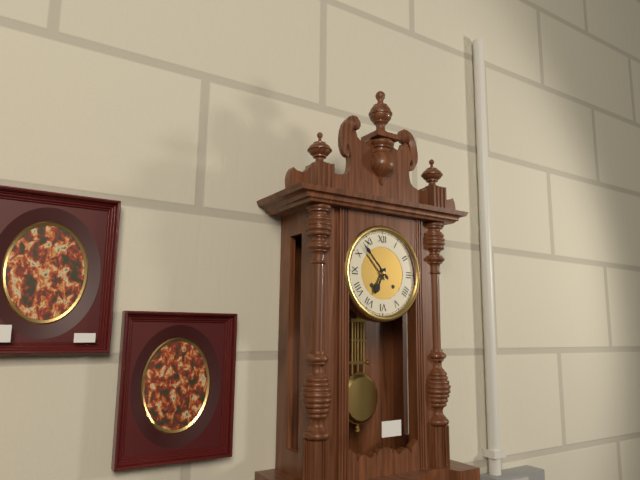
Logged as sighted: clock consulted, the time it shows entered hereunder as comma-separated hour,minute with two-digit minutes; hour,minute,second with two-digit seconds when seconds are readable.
6,53
